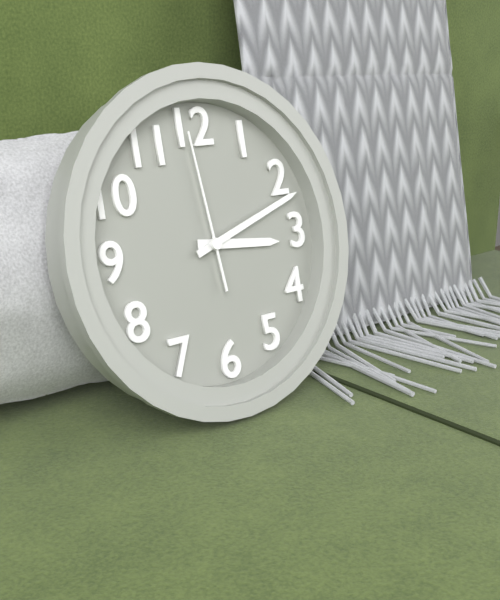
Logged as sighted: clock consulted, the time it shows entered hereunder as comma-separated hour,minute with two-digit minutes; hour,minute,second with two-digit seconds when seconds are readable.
3,12,59
